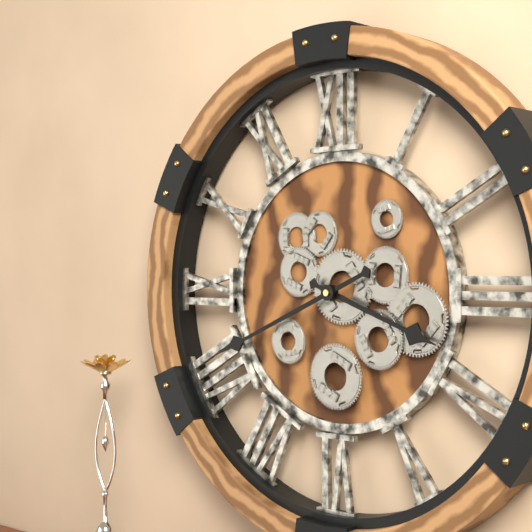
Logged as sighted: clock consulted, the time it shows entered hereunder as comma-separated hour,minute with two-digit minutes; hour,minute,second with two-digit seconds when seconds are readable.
3,41
